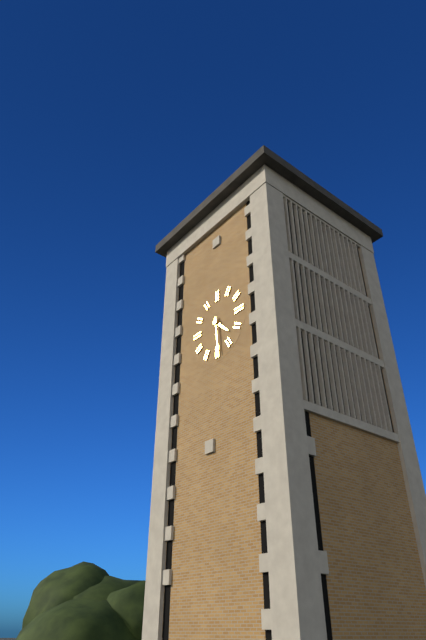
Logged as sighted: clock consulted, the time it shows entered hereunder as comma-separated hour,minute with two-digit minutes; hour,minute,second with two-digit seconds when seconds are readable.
4,29
